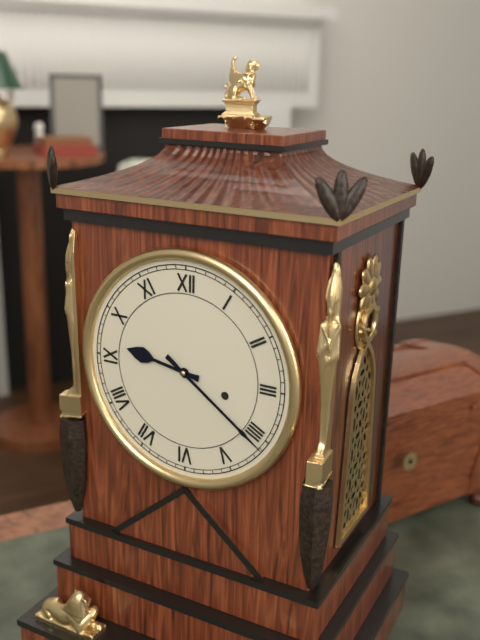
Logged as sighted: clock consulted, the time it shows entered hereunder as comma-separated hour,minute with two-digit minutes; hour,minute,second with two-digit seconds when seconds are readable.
9,21
